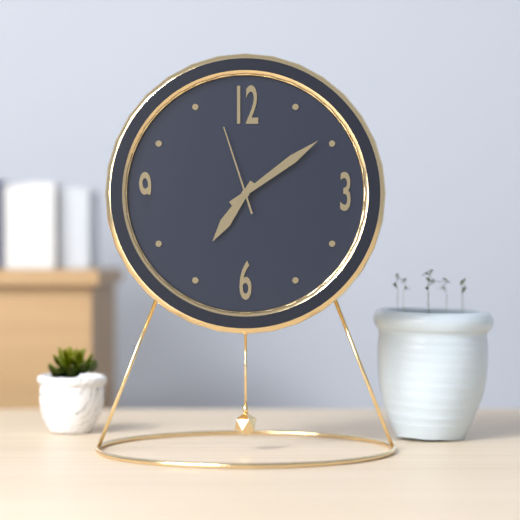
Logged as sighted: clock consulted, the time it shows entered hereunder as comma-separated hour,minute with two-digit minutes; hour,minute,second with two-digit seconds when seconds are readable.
7,09,57
